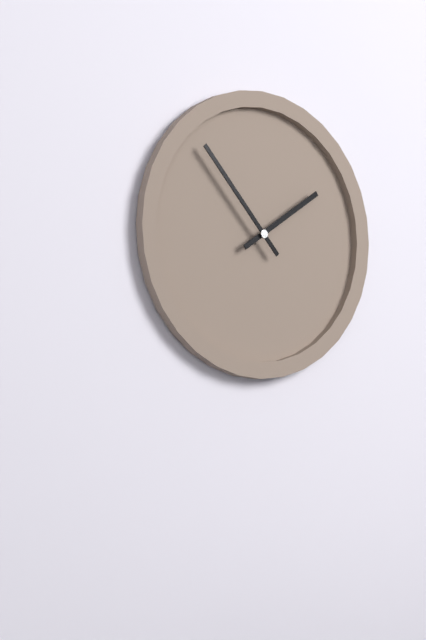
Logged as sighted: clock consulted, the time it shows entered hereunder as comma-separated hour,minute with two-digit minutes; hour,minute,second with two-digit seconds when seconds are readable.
1,53
